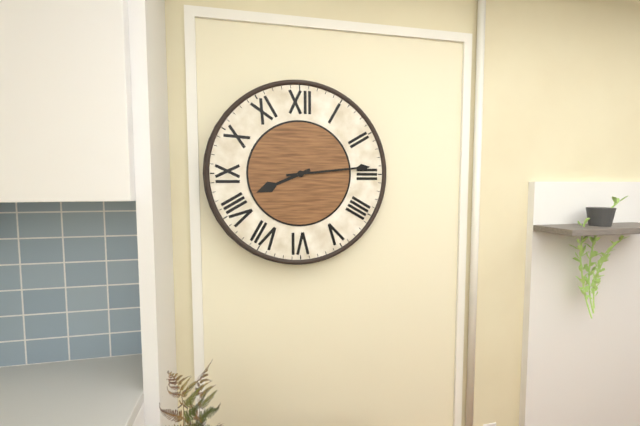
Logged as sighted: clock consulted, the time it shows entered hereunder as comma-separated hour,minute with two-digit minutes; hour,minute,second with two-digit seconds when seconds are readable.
8,14
